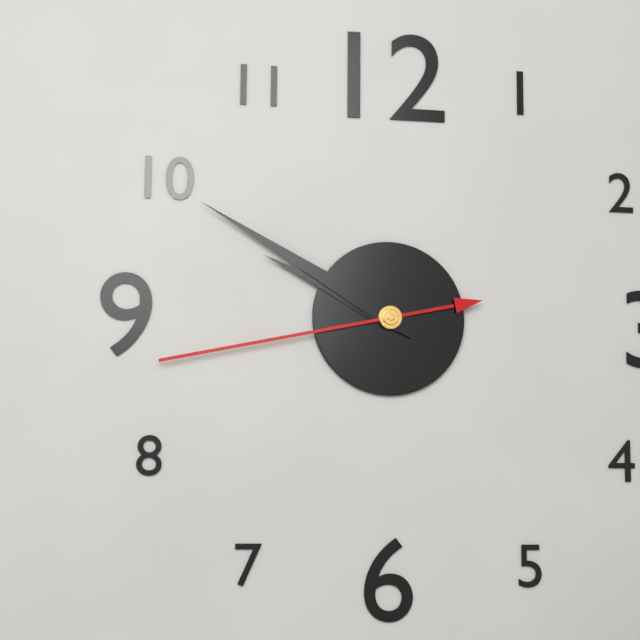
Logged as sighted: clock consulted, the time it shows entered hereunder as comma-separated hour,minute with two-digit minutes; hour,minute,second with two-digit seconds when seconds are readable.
9,50,43
